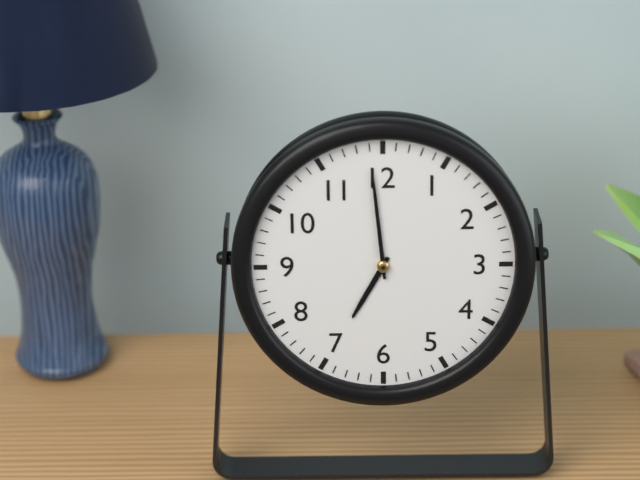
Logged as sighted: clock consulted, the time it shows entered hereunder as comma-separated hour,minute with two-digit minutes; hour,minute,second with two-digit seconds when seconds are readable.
6,59
